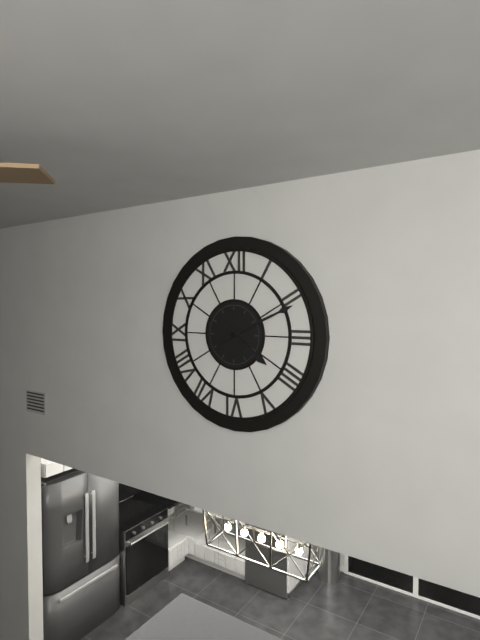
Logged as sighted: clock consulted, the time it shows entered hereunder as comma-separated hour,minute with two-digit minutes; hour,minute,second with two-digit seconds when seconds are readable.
4,11
